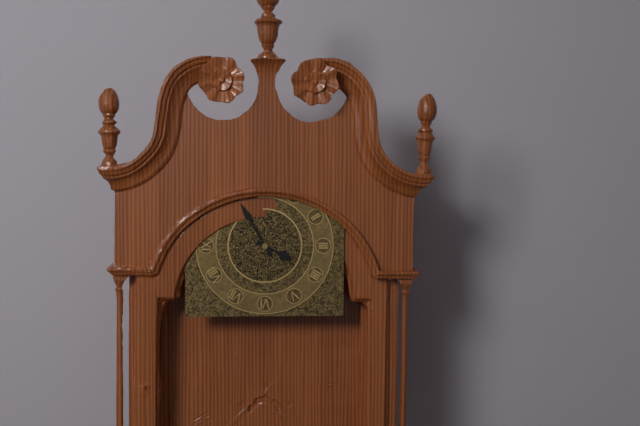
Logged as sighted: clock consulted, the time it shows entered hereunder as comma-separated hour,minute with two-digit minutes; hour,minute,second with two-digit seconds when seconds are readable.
3,55
